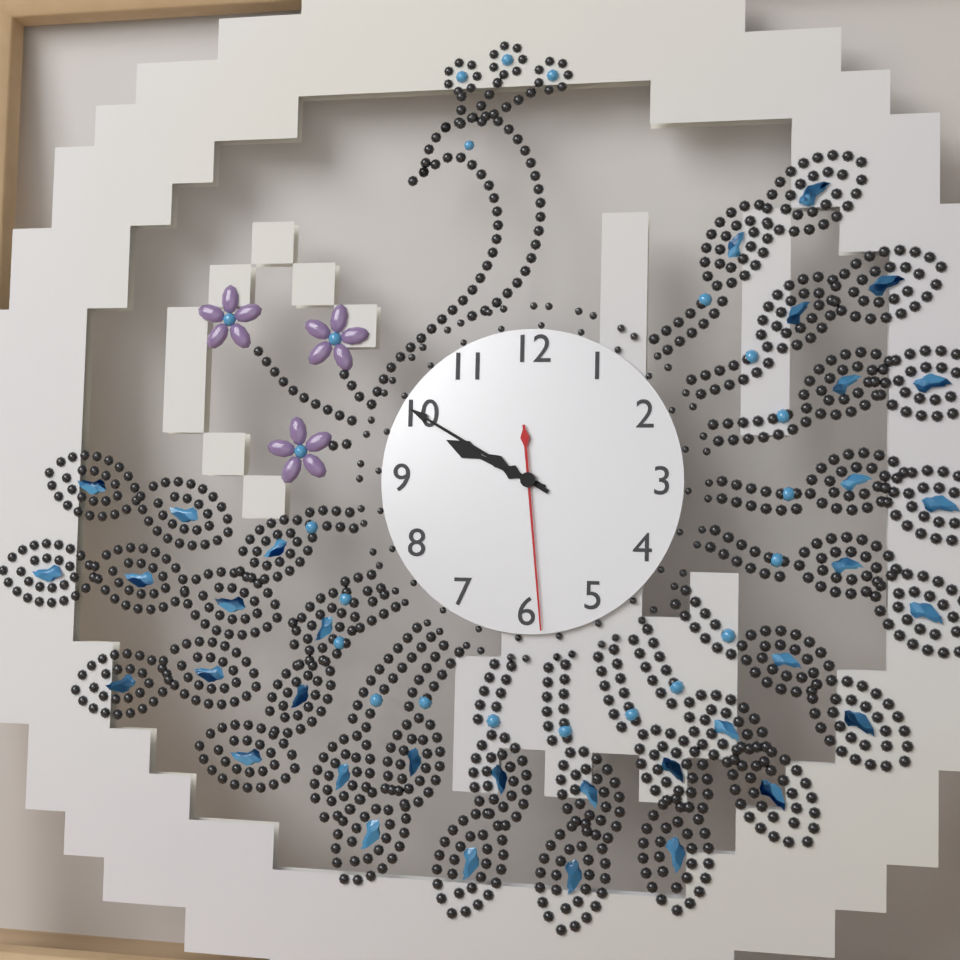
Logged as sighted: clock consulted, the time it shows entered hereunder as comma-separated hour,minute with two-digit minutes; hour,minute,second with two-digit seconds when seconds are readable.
9,50,29
